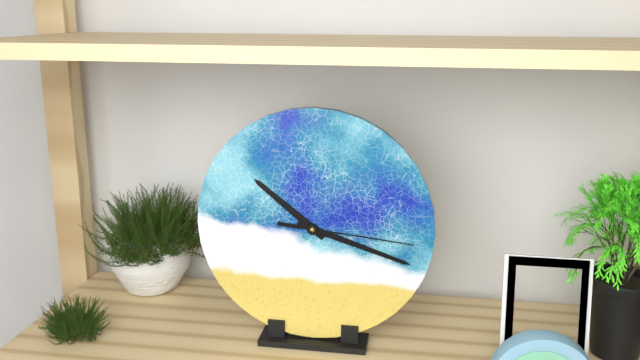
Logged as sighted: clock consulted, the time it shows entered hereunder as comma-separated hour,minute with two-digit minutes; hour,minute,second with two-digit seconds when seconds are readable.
10,18,16
